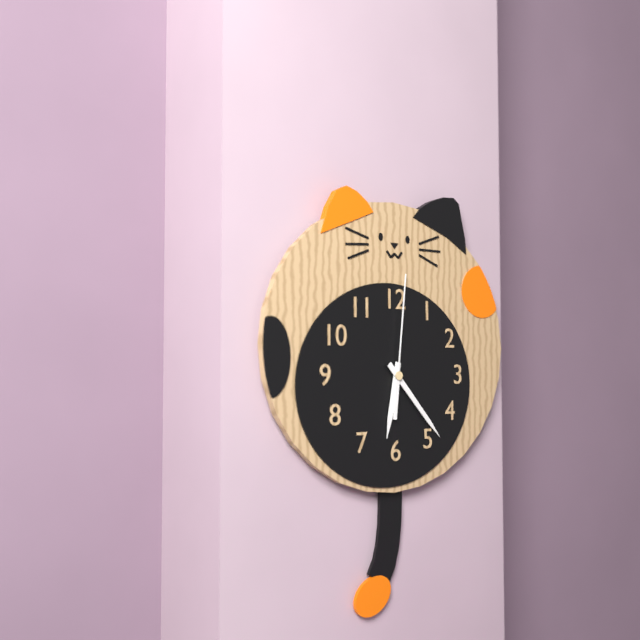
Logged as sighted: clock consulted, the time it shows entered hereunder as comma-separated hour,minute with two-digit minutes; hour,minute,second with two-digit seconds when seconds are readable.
6,23,01
